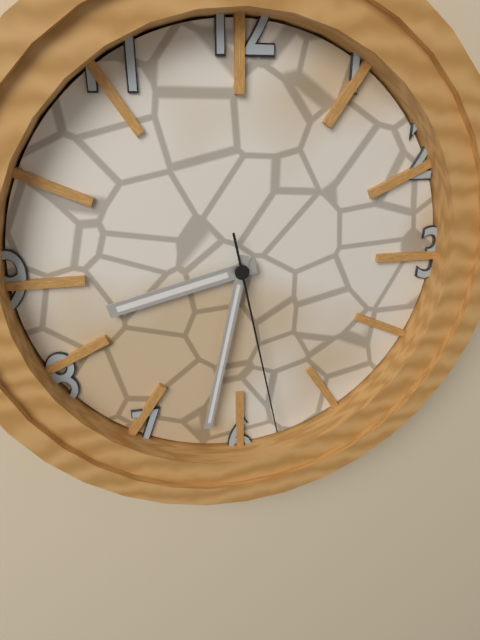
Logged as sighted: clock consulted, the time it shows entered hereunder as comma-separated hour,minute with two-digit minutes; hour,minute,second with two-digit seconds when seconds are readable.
8,32,28
